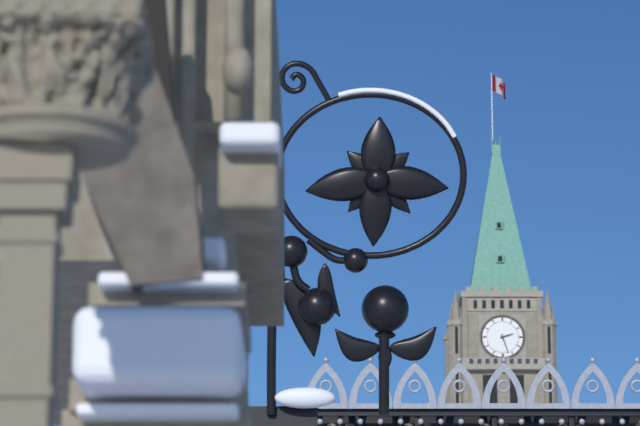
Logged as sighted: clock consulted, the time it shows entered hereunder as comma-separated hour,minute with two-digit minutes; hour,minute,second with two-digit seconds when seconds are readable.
2,27
